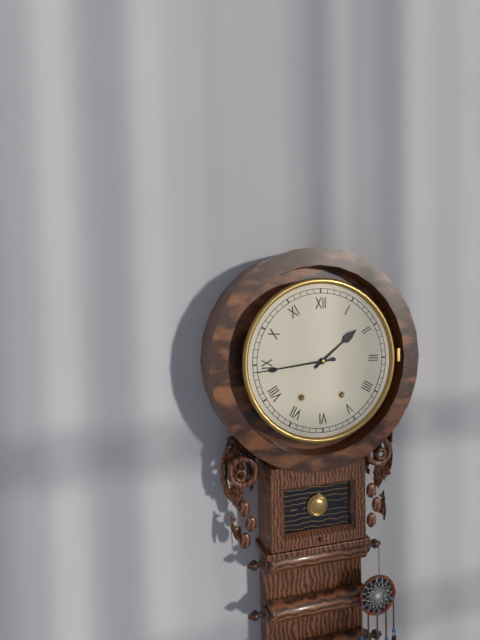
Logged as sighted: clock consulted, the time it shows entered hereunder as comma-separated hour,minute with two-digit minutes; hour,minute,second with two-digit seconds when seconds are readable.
1,44
